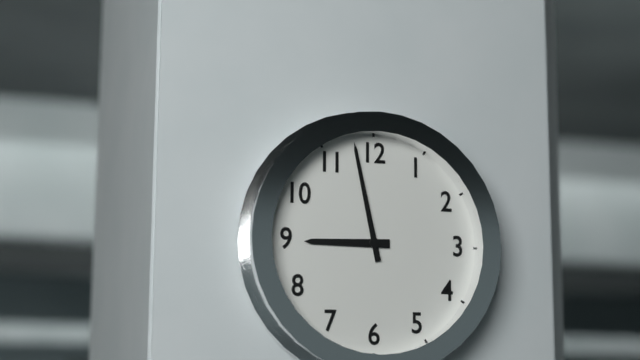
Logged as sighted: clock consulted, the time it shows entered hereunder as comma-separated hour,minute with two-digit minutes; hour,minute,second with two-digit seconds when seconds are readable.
8,58
